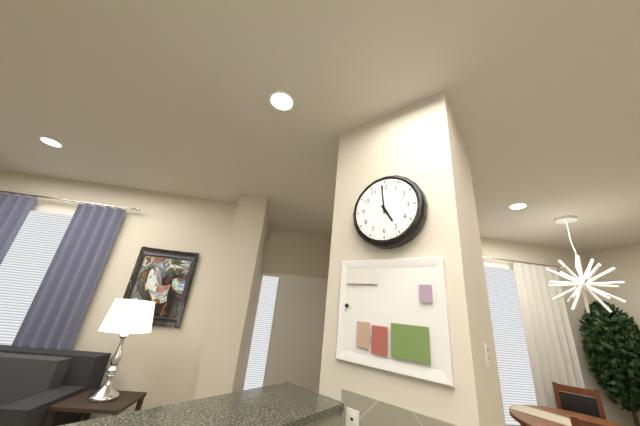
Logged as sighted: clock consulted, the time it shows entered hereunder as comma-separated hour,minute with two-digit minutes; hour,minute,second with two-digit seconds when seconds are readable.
4,59
